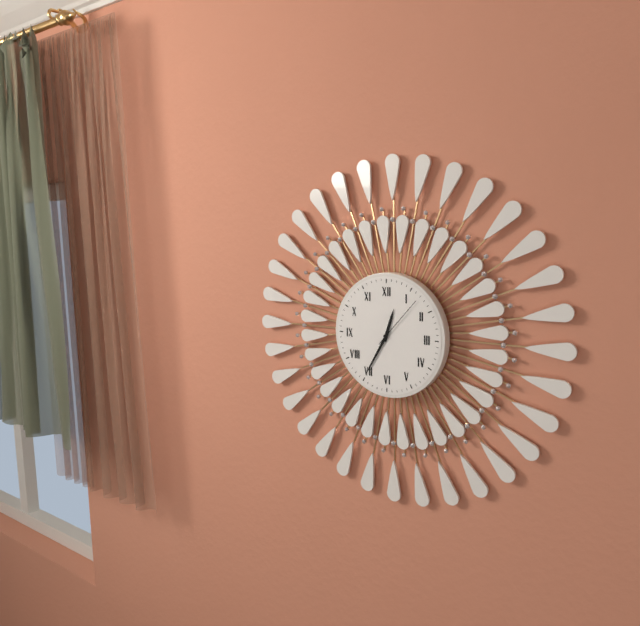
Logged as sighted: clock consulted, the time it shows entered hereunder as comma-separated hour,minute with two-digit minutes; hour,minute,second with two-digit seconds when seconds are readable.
12,35
